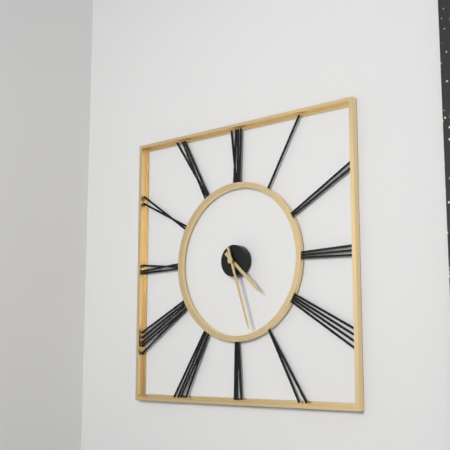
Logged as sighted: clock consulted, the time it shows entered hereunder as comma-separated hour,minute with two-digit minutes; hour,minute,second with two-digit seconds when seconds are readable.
4,27
